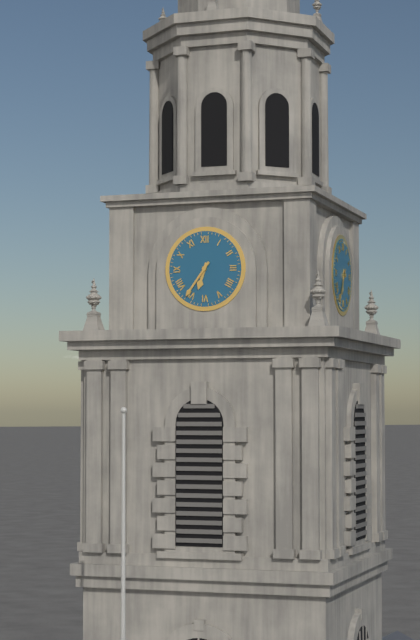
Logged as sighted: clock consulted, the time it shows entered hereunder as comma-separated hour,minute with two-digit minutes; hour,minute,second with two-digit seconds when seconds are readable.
6,36
